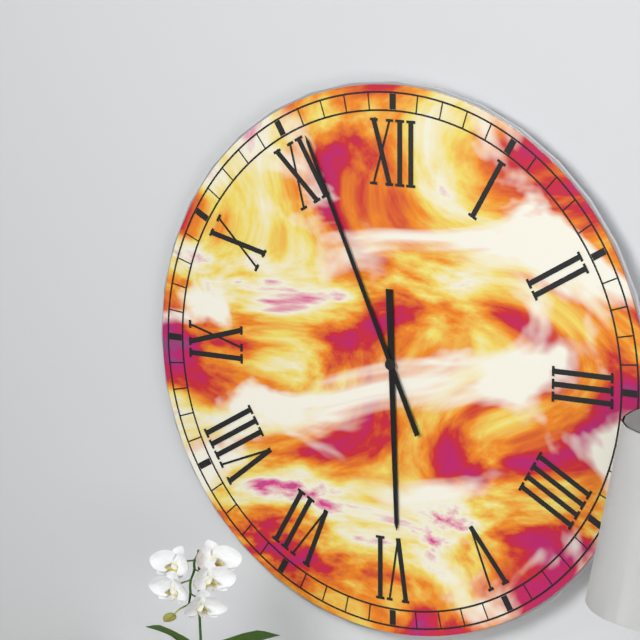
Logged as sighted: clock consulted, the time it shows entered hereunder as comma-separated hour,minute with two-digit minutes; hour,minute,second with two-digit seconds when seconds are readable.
5,56
